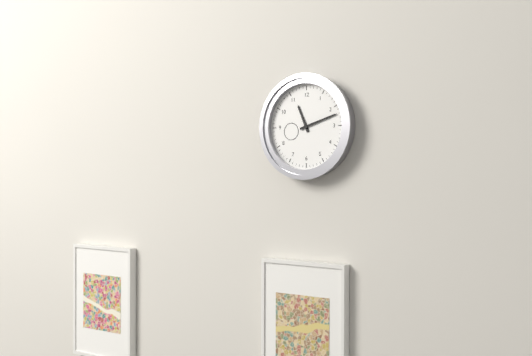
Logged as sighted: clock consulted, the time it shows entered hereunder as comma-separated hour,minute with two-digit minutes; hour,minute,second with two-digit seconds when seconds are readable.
11,12
